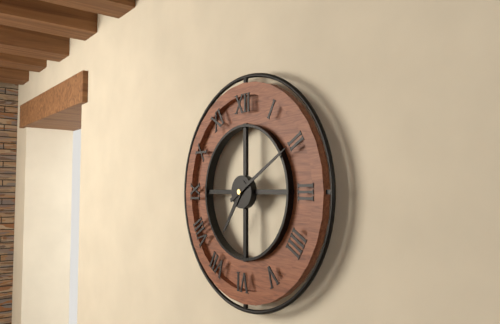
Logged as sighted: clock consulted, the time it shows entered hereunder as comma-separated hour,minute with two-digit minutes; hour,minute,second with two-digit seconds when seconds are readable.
7,10
